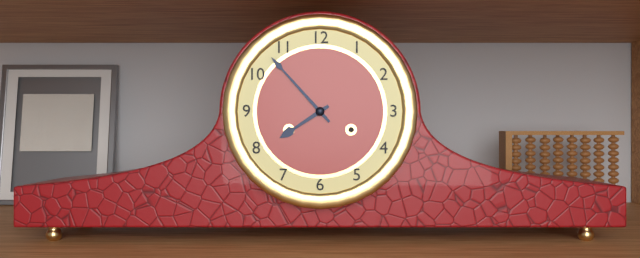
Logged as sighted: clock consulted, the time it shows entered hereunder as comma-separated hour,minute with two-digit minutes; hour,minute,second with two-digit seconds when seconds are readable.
7,53
